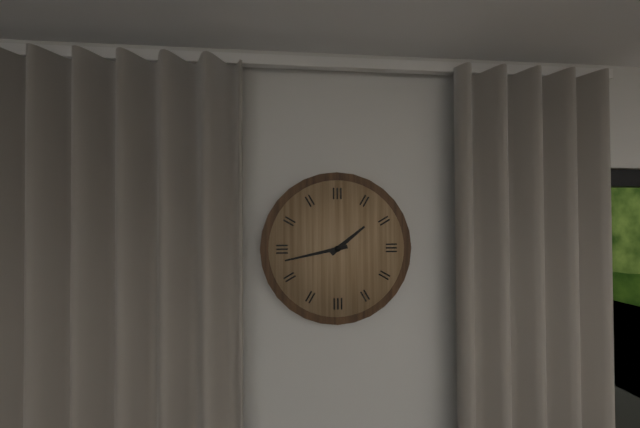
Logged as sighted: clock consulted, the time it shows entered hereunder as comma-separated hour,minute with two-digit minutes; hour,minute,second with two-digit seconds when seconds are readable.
1,43
